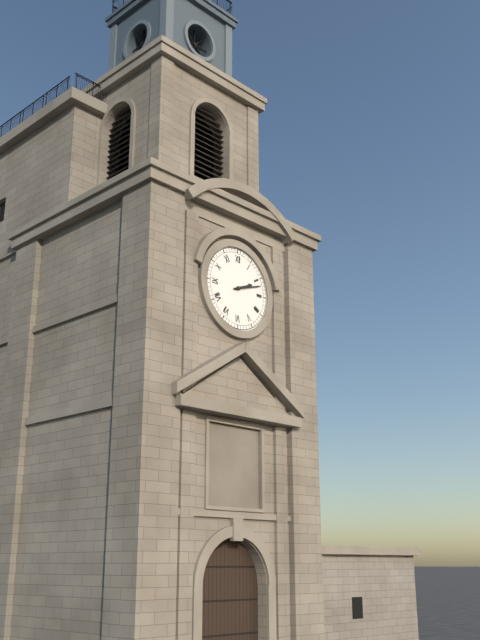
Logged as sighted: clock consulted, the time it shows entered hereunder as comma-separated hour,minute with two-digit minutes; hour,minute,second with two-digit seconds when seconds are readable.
2,12
